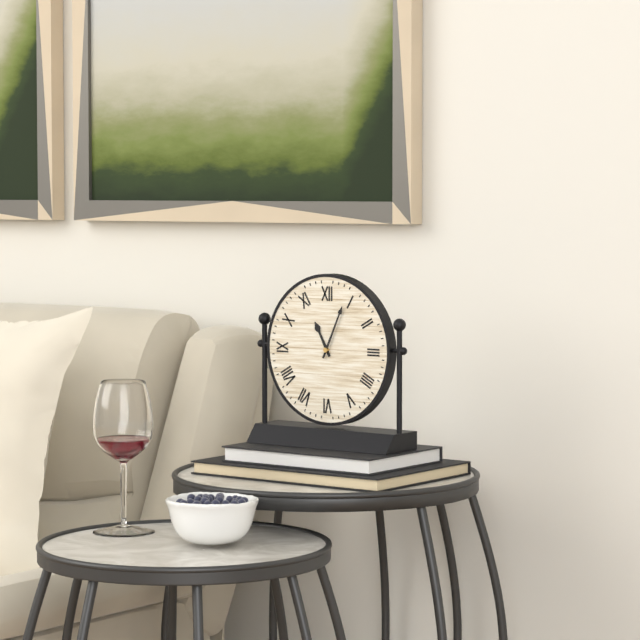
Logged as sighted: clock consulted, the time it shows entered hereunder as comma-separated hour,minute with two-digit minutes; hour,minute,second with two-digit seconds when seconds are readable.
11,04
